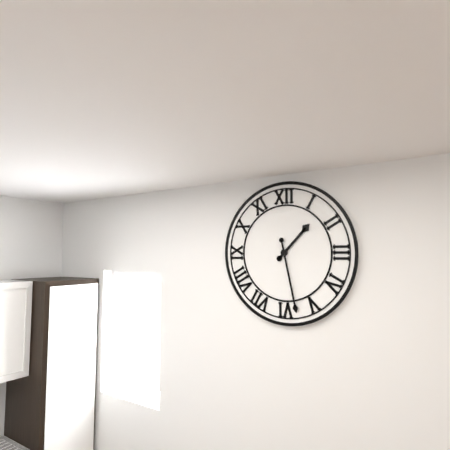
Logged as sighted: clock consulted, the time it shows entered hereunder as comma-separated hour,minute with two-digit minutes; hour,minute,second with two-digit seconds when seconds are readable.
1,28
